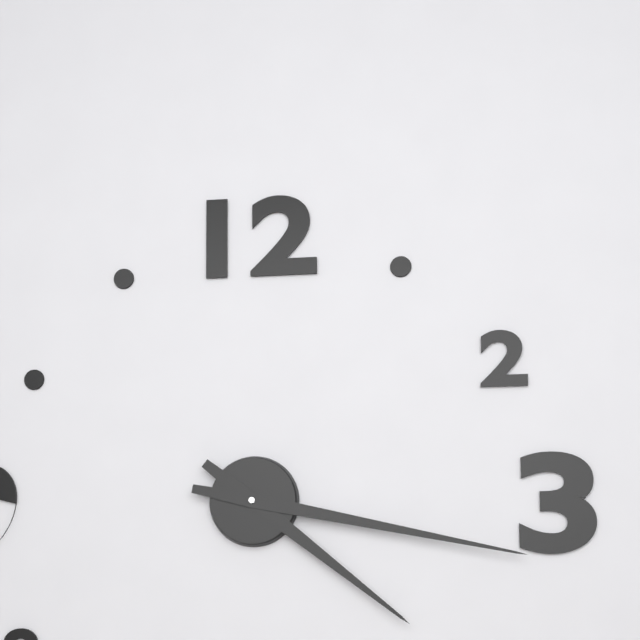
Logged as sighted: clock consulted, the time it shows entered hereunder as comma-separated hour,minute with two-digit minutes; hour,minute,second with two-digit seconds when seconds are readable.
4,17
